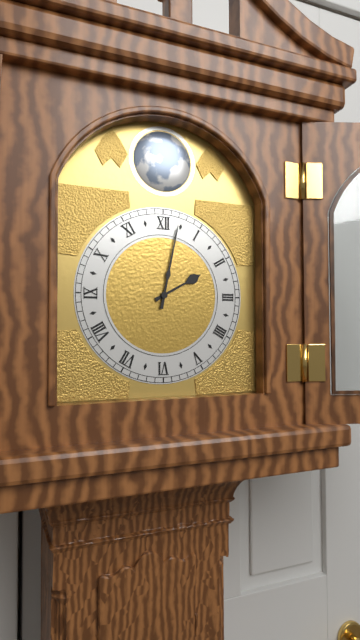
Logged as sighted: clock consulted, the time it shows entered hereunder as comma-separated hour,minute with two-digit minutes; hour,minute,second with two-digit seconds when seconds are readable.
2,02
